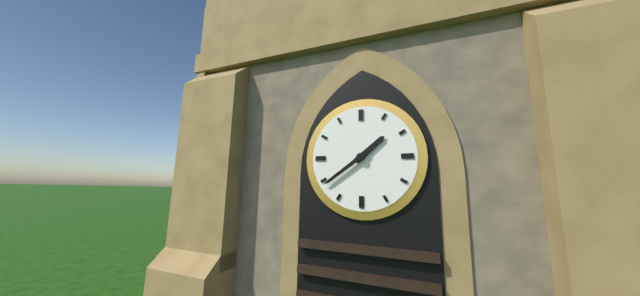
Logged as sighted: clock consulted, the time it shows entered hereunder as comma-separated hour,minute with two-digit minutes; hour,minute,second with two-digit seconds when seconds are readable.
1,39
